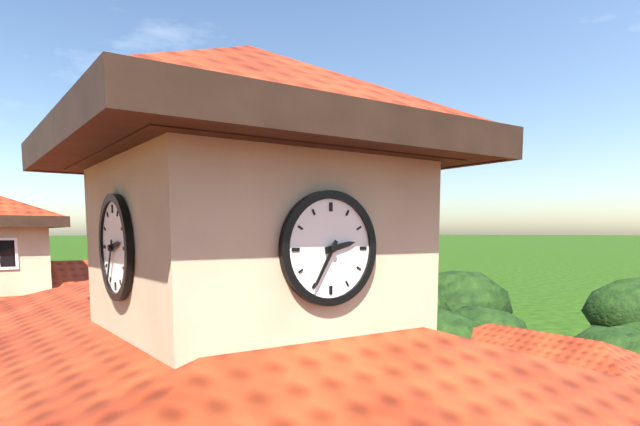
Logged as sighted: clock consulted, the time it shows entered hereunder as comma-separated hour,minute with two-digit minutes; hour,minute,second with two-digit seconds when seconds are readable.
2,35
